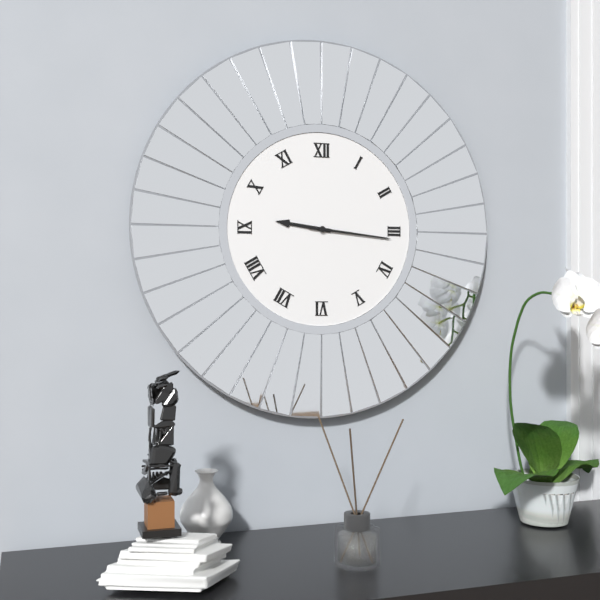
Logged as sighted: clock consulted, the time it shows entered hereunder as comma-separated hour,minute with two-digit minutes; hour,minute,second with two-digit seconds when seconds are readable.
9,16
